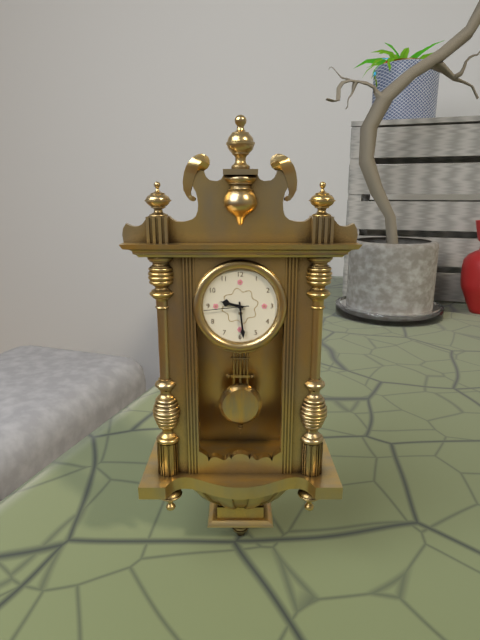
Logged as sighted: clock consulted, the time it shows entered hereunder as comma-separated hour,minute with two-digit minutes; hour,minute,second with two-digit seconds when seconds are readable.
9,29
